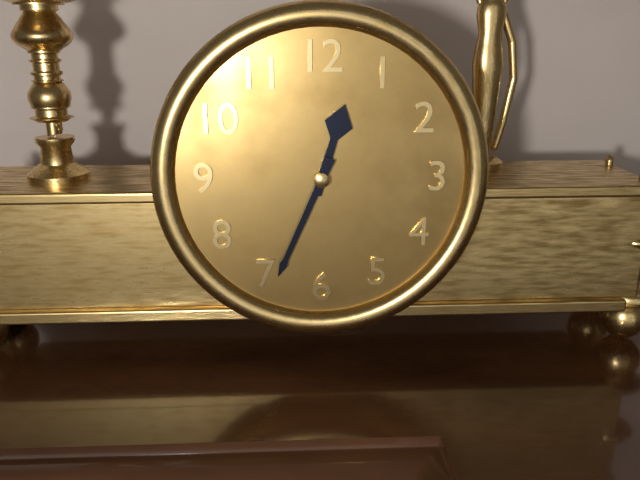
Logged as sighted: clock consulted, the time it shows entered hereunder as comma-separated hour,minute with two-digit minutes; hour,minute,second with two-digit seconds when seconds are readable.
12,34
